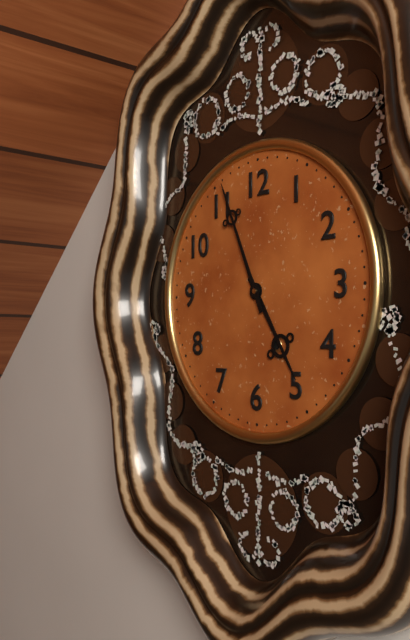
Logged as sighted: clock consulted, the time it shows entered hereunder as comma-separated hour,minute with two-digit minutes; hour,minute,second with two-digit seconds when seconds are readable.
4,56
